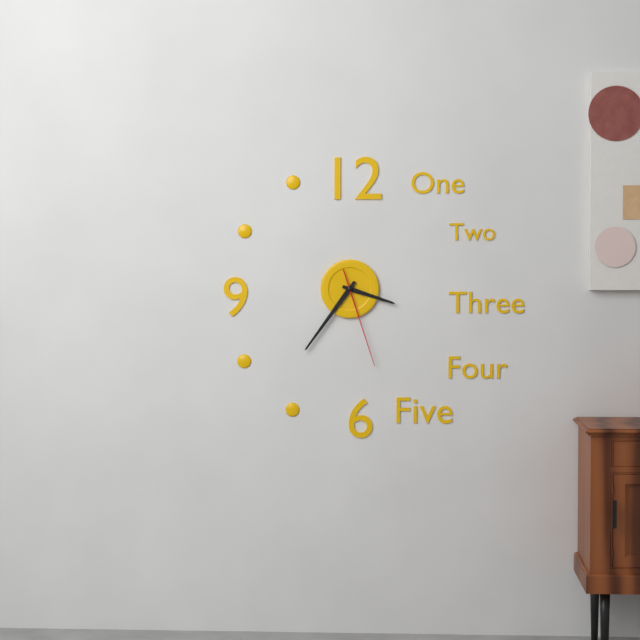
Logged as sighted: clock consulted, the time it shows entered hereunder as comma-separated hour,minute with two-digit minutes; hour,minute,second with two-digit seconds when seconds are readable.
3,36,27
